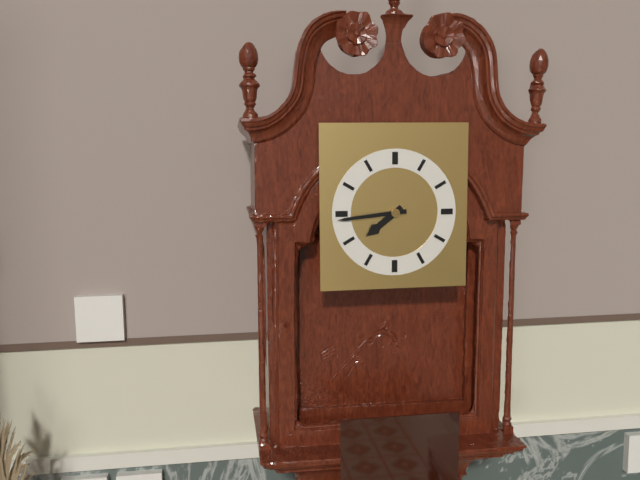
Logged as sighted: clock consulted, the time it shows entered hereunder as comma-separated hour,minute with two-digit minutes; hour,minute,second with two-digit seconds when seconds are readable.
7,44
